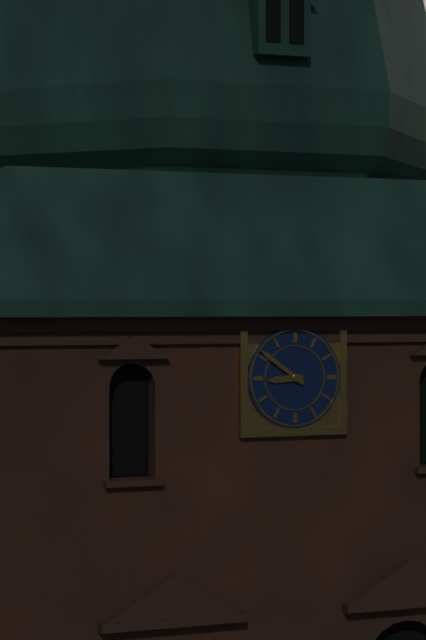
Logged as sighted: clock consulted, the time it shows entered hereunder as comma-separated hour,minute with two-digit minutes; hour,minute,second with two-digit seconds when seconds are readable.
8,51
